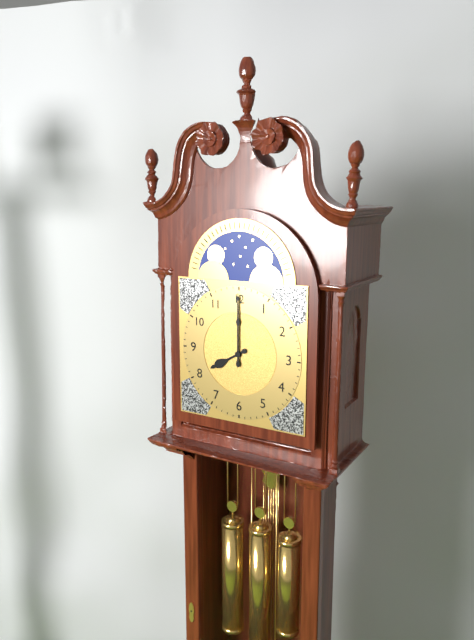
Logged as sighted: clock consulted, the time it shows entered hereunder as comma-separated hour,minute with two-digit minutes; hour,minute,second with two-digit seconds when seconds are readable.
8,00
